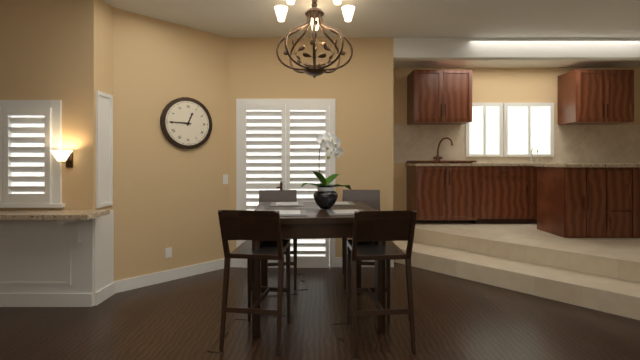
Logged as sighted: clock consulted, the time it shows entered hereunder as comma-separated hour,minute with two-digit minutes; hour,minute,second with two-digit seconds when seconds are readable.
12,45
